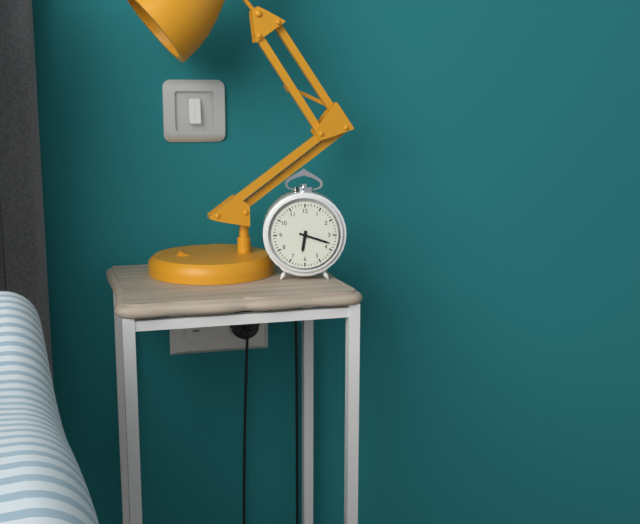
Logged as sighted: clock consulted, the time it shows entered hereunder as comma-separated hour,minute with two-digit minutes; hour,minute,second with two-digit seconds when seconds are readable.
6,18
